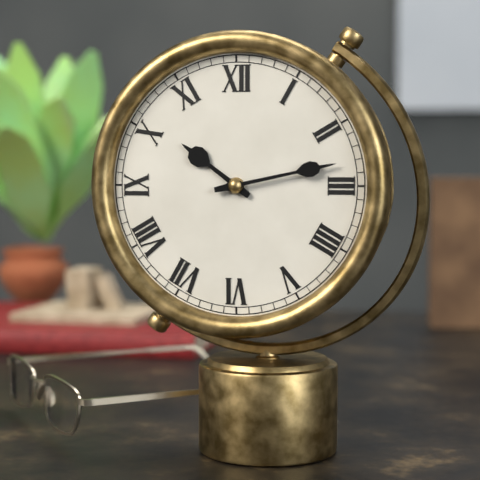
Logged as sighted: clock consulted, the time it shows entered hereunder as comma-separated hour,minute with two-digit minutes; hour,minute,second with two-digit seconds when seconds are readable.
10,13
